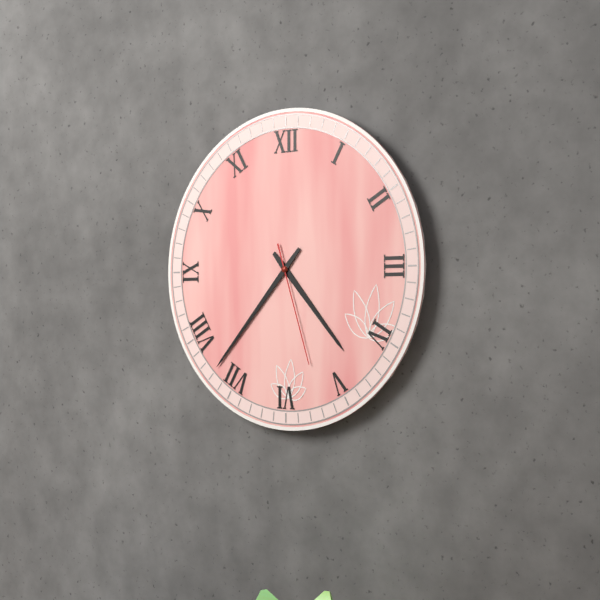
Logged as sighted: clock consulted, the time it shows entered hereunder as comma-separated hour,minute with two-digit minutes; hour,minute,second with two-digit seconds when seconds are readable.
4,37,27
